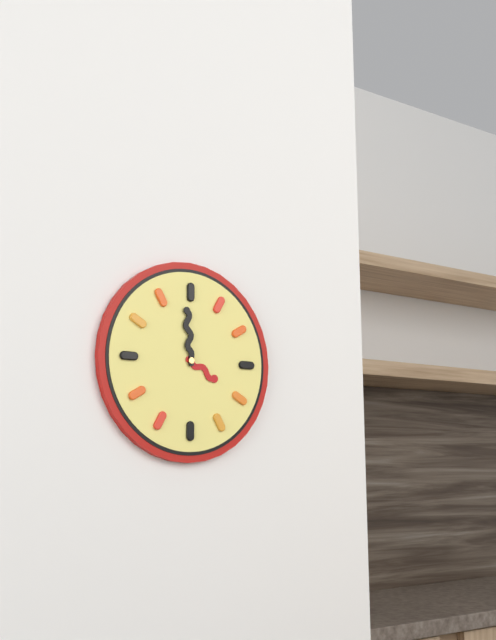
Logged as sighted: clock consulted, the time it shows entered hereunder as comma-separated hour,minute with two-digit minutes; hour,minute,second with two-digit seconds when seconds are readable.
3,59
